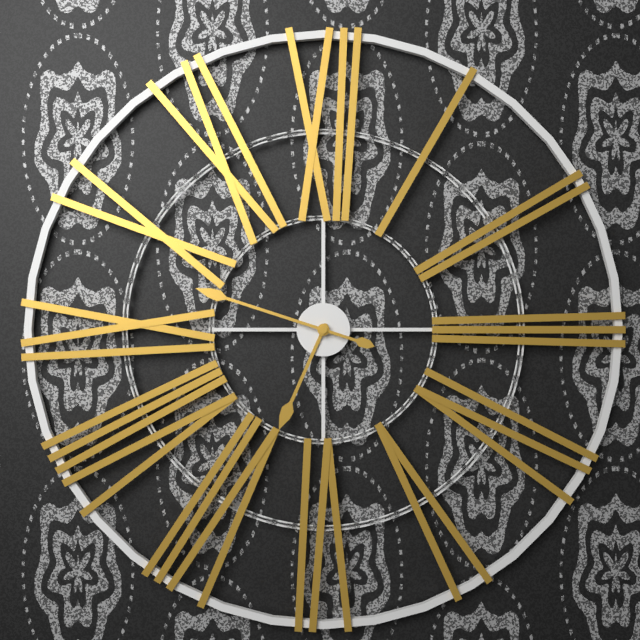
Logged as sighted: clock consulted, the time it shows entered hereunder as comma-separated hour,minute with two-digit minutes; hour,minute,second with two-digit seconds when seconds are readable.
6,48
